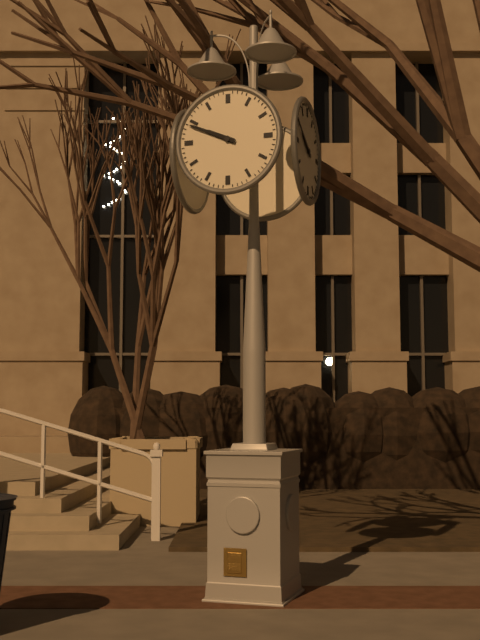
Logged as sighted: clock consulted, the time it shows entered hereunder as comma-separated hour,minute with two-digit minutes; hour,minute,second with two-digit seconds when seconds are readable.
9,49
